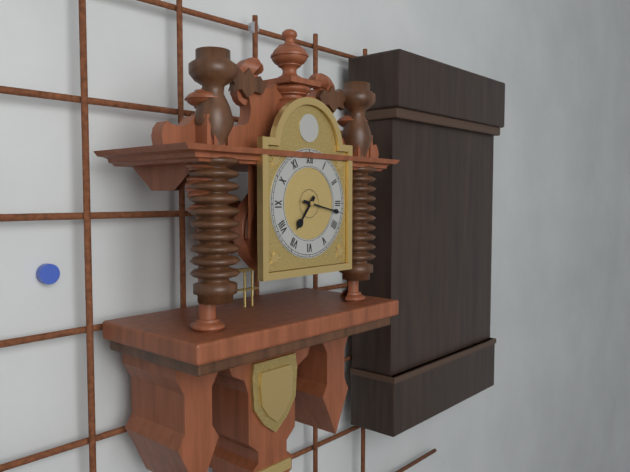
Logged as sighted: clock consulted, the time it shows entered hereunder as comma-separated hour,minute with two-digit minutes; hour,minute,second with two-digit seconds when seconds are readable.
7,17
